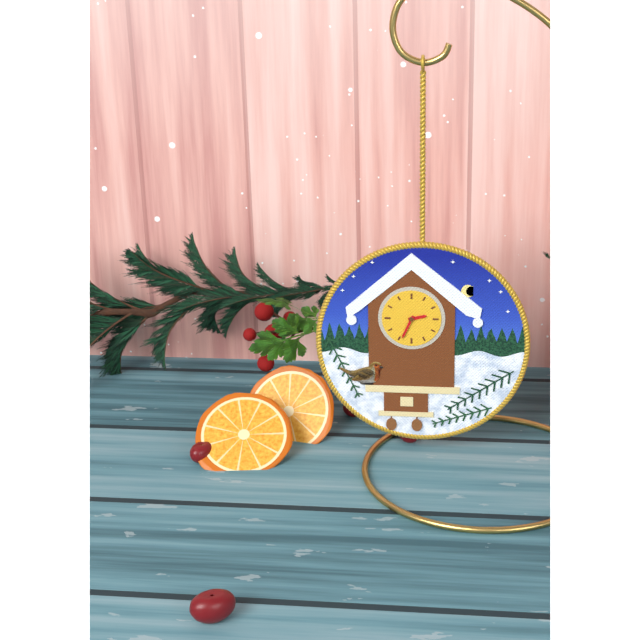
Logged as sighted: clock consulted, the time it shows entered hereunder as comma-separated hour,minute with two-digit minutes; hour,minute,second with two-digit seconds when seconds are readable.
2,34
